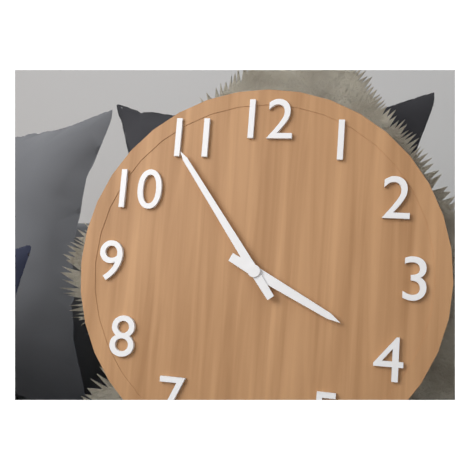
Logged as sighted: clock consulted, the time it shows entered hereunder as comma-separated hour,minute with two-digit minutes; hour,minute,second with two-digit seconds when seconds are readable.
3,54
